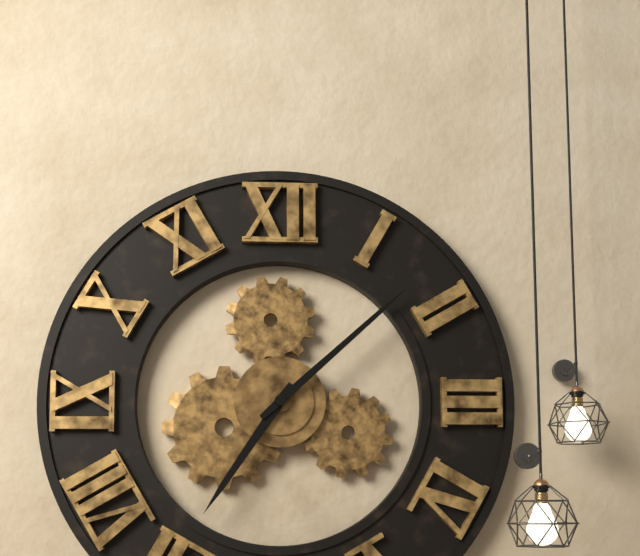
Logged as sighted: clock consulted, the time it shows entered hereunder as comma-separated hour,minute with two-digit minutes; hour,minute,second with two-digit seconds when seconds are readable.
7,08
